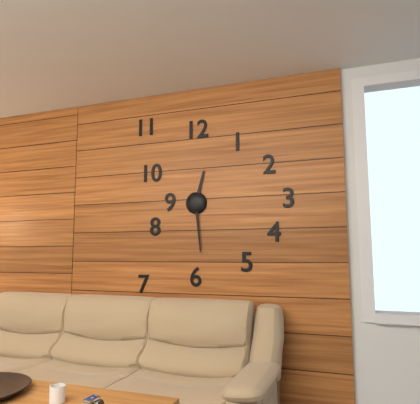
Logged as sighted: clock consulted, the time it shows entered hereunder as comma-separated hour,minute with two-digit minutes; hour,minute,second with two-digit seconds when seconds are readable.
12,29
